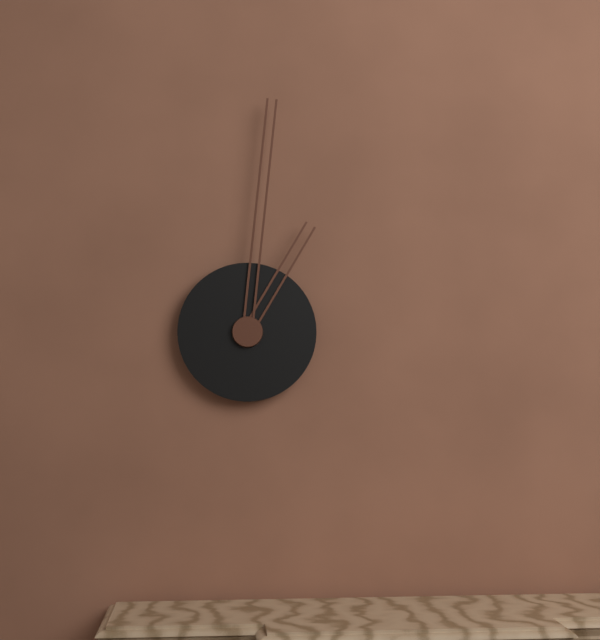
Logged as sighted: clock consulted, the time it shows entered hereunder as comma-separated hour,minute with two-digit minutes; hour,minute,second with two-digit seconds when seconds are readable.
1,01
